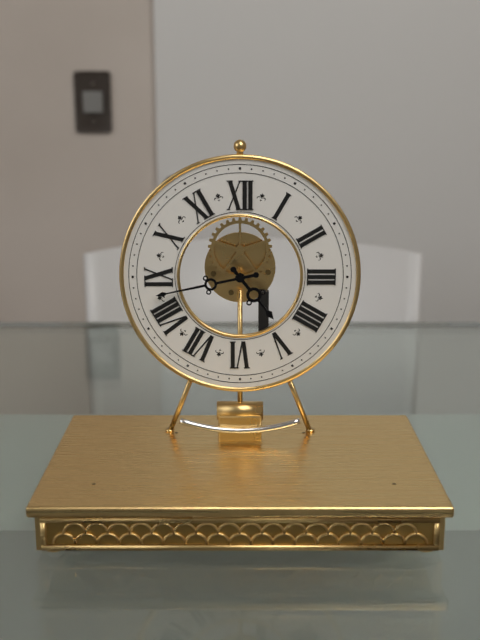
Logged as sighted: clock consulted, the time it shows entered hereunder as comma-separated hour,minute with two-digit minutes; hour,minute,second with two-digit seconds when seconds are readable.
4,43
